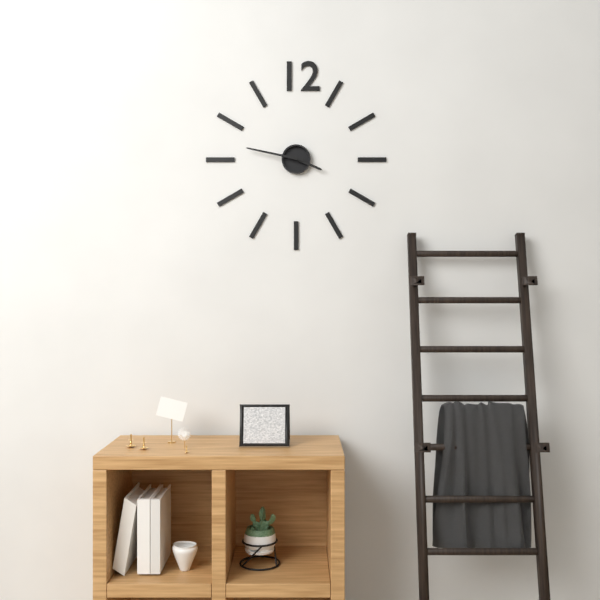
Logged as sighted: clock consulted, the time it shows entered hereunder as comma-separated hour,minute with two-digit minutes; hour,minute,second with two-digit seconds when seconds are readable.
3,47
